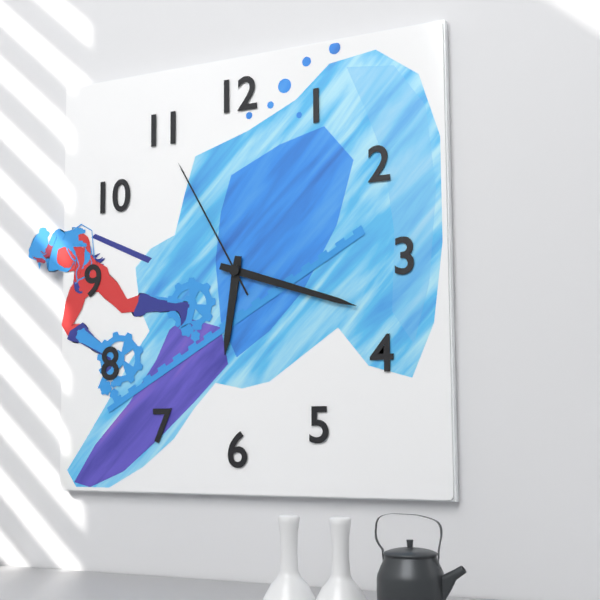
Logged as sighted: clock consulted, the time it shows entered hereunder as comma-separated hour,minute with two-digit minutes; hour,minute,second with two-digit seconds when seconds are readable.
6,18,55
